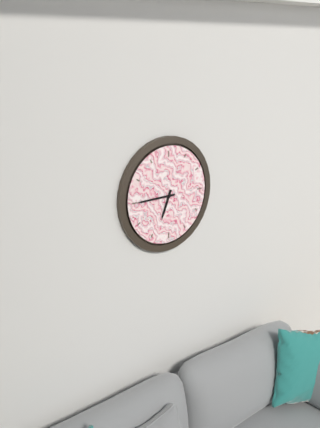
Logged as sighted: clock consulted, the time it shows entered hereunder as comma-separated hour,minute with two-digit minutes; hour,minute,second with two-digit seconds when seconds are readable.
6,45
